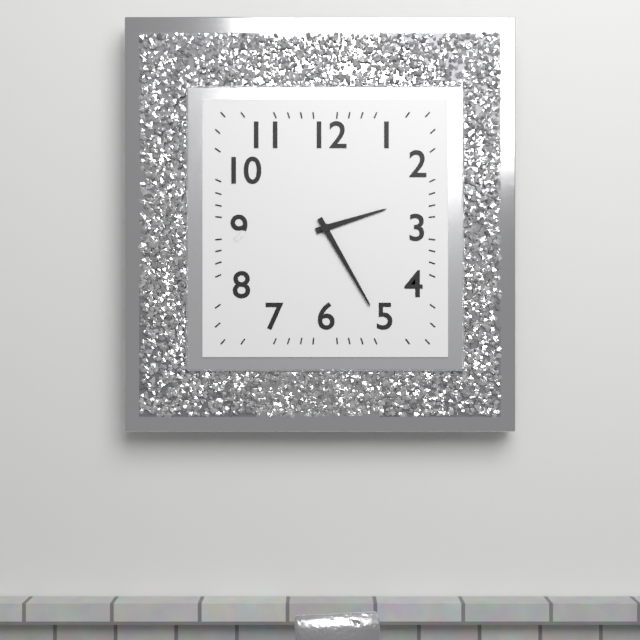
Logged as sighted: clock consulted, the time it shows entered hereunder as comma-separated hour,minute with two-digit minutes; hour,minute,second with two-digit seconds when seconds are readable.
2,25
